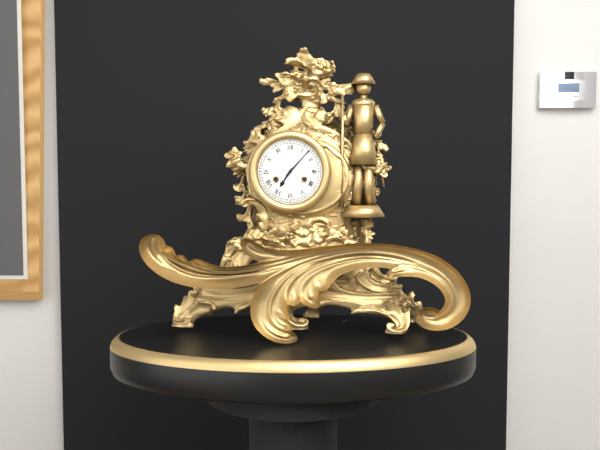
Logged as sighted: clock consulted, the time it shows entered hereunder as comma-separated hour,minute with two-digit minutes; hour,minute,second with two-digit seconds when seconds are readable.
7,07
